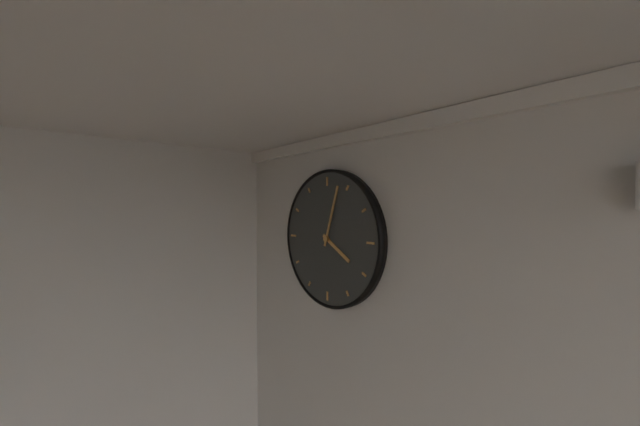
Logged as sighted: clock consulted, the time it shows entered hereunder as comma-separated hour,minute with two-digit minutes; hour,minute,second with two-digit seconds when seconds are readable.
4,03
